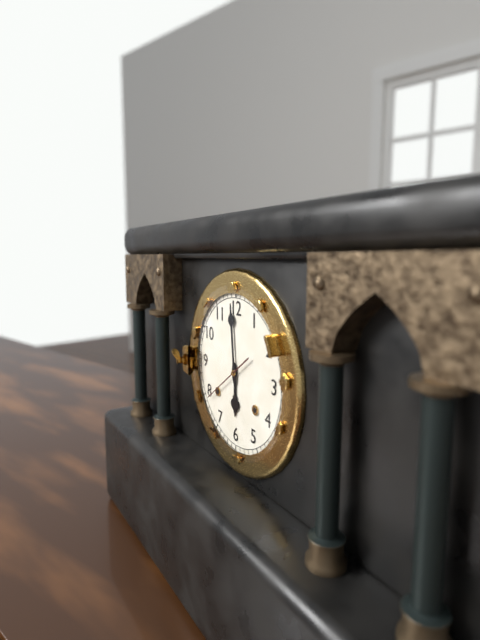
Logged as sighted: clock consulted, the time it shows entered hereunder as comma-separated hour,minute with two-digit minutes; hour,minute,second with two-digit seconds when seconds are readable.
5,59
